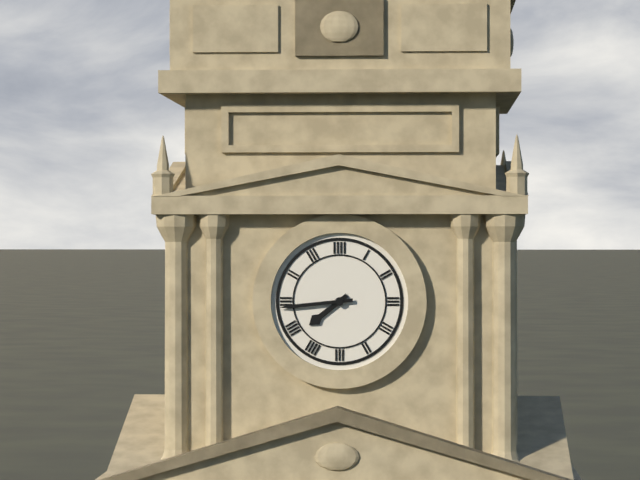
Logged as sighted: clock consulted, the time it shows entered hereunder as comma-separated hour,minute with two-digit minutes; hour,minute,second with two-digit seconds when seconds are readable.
7,44
